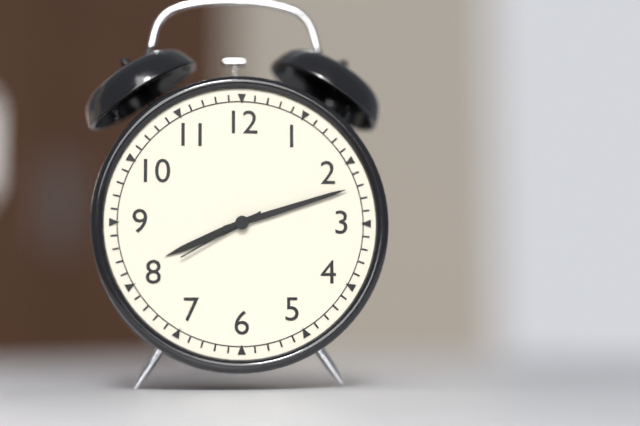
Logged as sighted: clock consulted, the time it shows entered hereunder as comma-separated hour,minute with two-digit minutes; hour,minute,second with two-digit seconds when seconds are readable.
8,12,40
